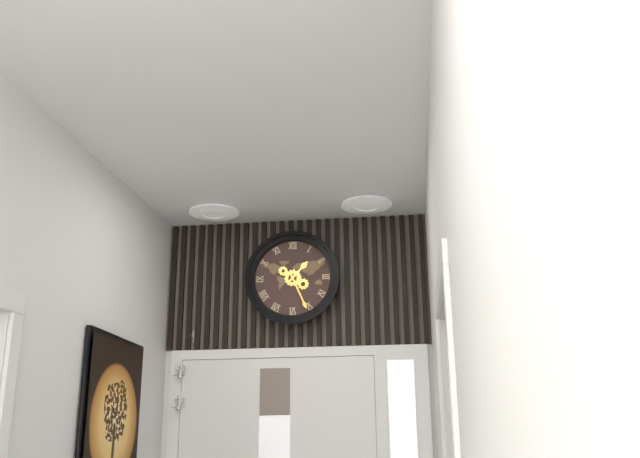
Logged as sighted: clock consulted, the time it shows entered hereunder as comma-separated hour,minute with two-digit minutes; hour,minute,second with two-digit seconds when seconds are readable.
1,26
